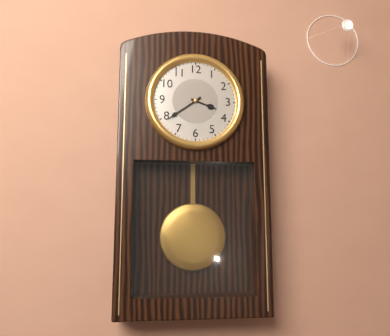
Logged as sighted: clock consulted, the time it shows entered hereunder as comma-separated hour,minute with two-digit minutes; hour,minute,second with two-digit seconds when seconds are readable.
3,39
